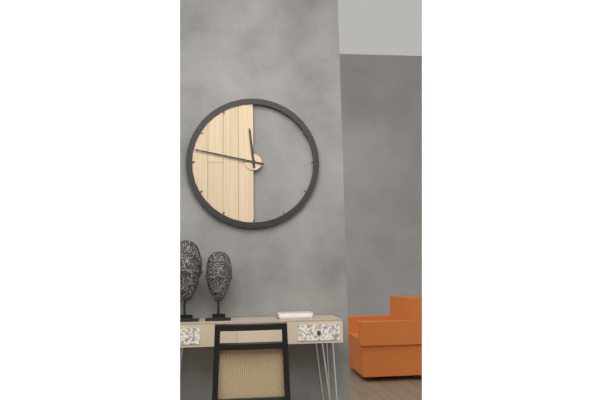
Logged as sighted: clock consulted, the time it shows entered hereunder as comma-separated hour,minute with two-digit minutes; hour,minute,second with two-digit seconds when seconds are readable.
11,47
